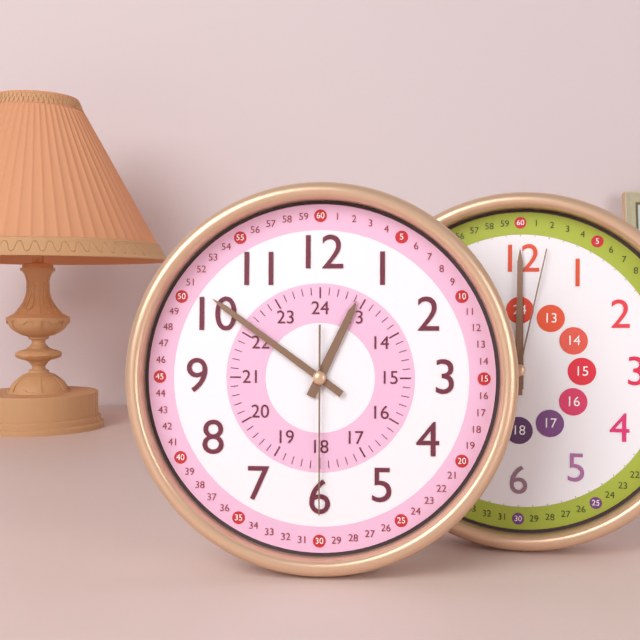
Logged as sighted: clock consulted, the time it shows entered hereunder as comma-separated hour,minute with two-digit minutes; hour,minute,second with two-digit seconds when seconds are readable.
12,51,30
